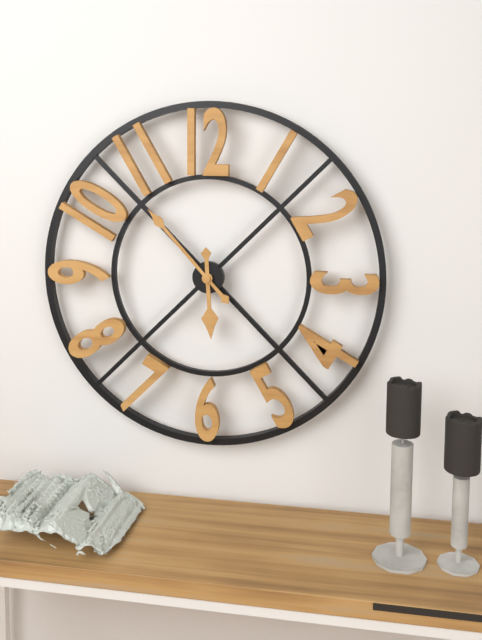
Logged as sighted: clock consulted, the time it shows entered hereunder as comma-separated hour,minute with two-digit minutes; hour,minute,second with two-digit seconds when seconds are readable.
5,53
